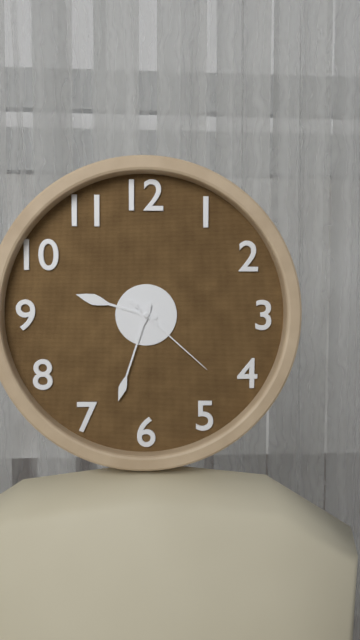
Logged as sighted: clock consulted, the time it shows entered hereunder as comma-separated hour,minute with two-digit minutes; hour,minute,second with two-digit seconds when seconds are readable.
9,33,22
